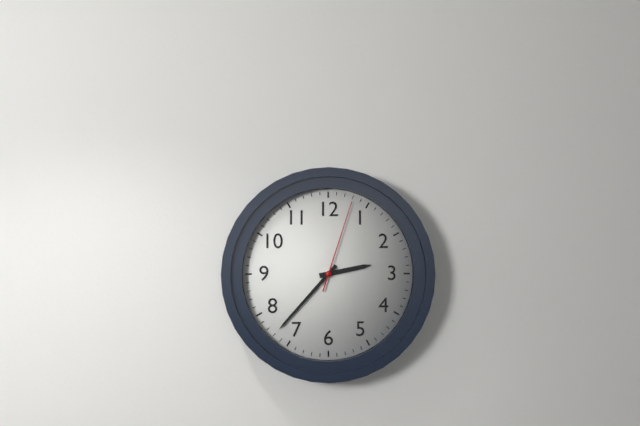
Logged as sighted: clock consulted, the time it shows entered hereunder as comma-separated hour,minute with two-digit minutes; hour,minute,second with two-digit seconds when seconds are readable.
2,37,03
